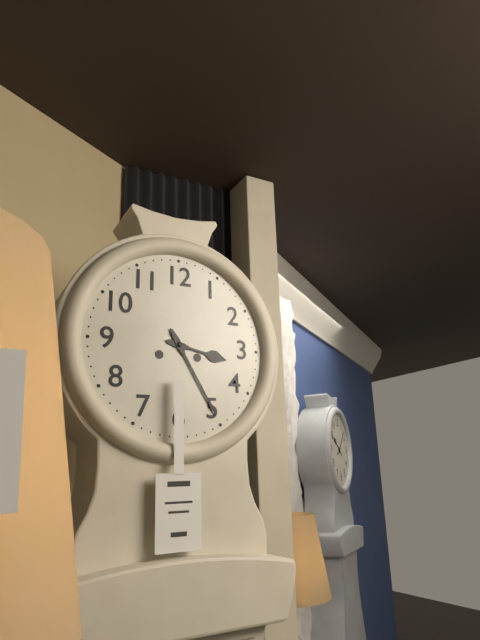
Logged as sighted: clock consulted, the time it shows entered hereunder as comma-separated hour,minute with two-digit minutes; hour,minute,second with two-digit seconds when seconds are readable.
3,25
